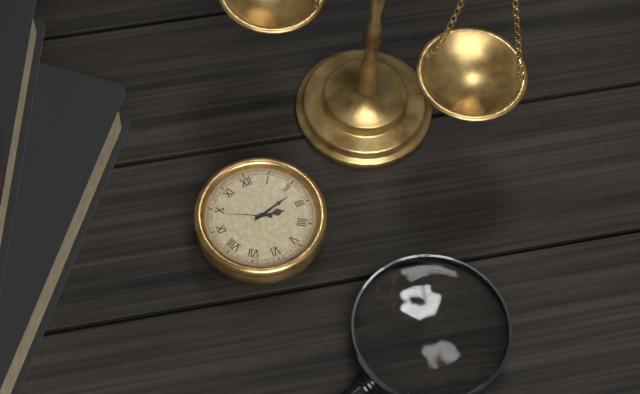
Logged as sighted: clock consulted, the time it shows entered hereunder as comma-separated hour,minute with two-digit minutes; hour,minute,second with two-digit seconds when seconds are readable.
3,12
